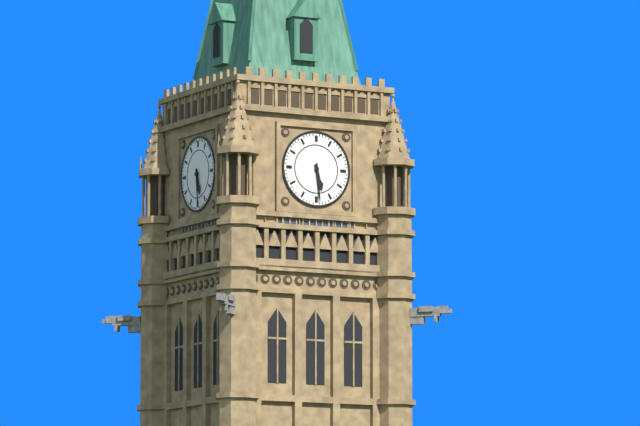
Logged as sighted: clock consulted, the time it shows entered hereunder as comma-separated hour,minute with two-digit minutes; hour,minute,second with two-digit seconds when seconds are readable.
5,29
